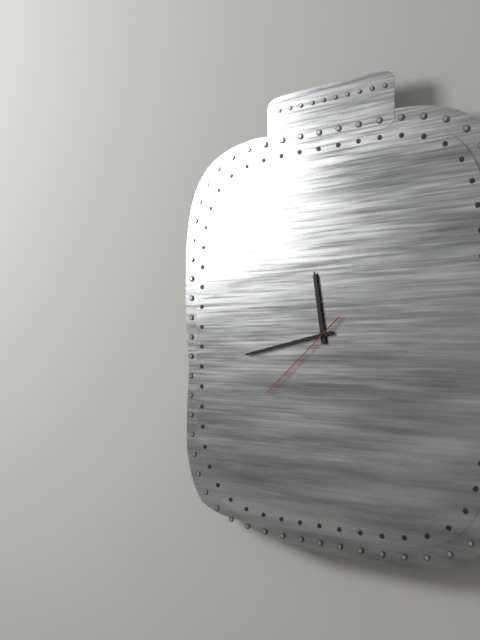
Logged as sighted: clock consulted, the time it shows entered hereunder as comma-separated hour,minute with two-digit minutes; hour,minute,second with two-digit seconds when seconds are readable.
11,43,38
